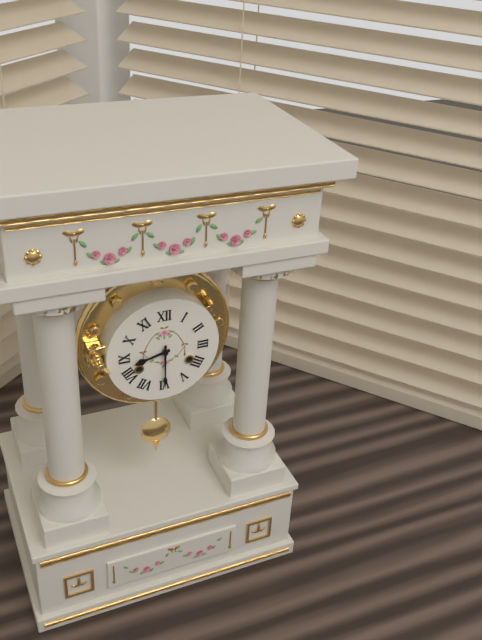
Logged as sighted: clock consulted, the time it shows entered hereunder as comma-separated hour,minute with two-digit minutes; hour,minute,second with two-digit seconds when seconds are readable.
8,30
